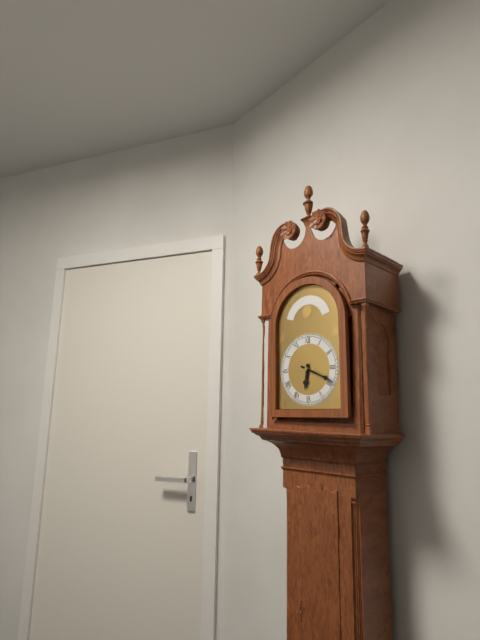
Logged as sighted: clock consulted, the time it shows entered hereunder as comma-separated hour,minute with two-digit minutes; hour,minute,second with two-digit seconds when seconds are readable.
6,19
